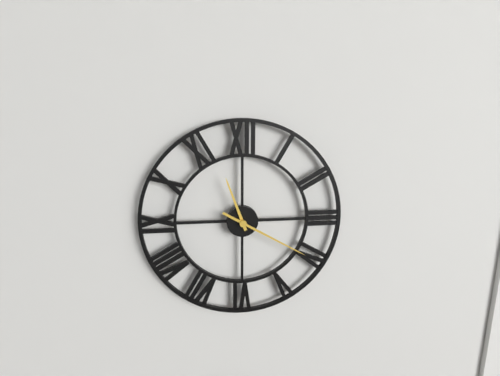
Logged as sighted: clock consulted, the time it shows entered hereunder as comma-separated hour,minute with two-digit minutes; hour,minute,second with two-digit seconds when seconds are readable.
11,20
